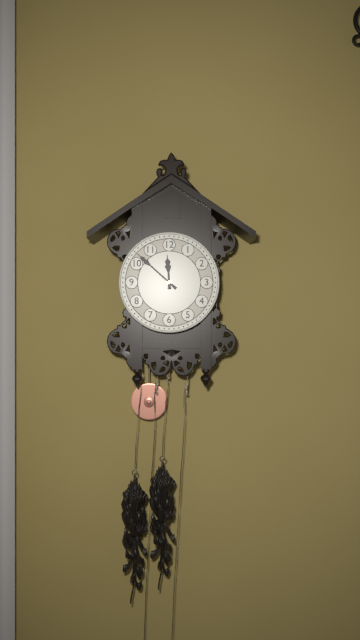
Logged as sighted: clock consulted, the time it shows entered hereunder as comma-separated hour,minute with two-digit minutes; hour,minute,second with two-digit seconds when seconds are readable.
11,52
